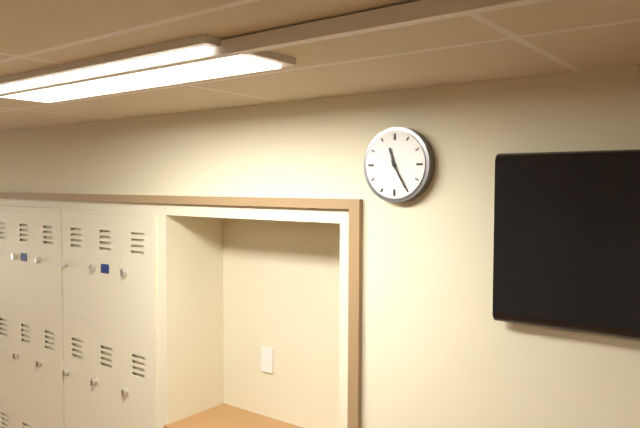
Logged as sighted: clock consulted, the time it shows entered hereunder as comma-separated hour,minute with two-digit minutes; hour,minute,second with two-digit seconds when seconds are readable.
11,25
